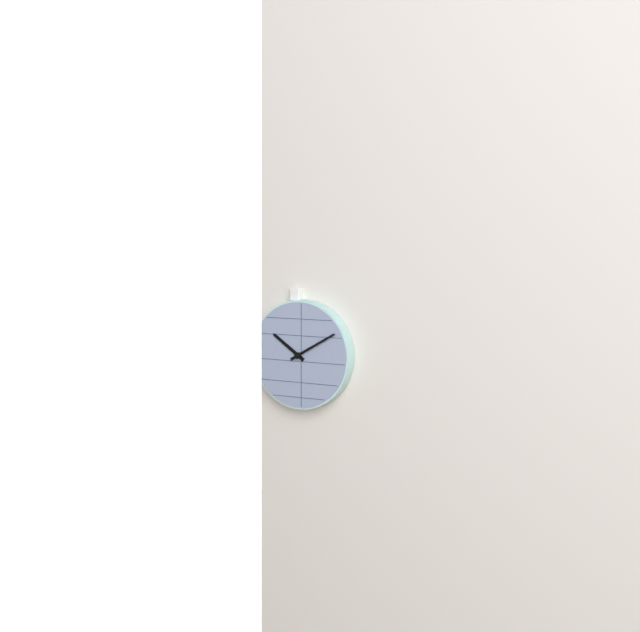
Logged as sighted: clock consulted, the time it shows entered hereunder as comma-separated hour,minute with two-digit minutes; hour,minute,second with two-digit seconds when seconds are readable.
10,10
